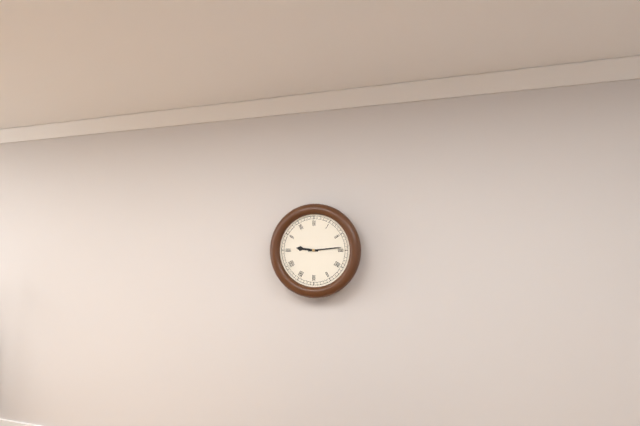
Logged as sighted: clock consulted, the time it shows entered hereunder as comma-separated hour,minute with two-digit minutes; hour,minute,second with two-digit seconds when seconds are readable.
9,14
